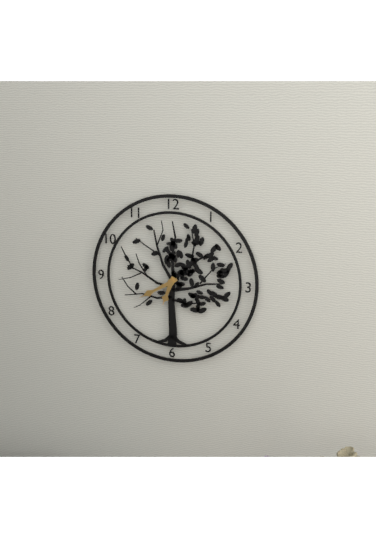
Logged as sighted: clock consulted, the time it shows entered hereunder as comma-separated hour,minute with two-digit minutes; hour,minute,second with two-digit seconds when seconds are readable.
6,40
